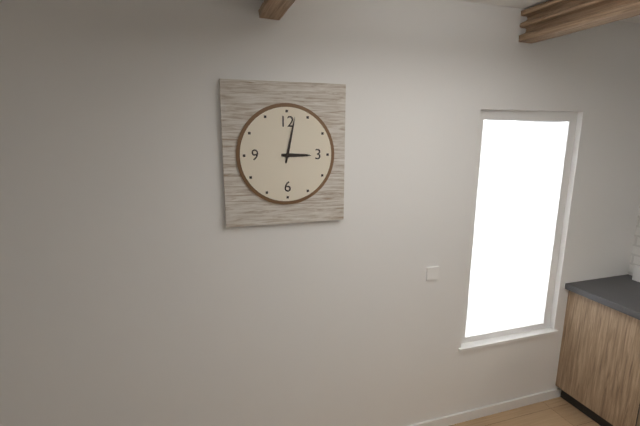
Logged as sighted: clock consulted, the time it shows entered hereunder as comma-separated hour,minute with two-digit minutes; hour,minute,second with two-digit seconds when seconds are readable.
3,02
